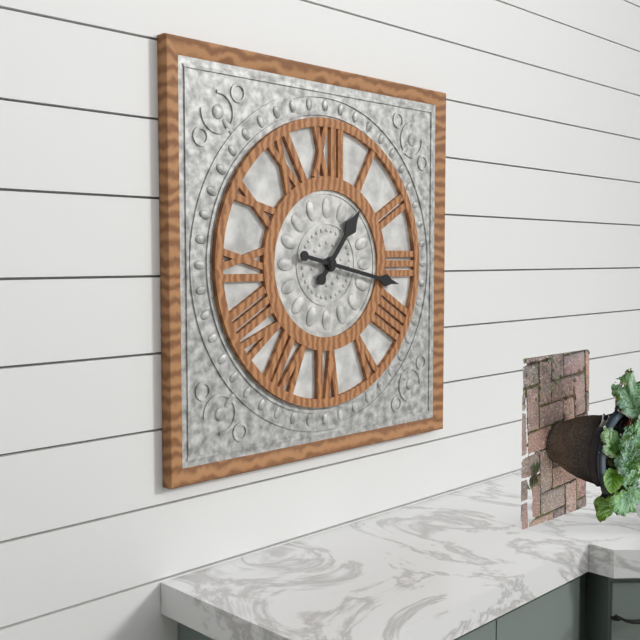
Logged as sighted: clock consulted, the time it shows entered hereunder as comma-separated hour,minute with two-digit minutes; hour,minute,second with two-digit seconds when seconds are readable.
1,17
